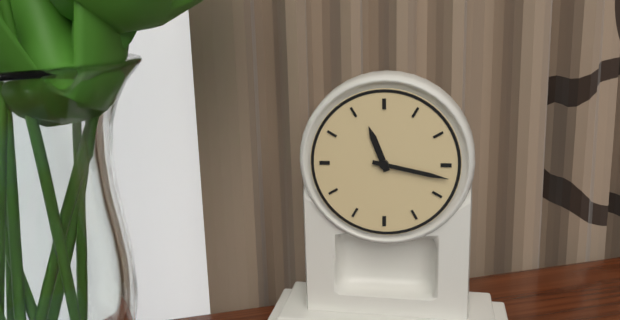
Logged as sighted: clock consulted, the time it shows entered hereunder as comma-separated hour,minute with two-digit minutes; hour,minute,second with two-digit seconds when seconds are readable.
11,17
